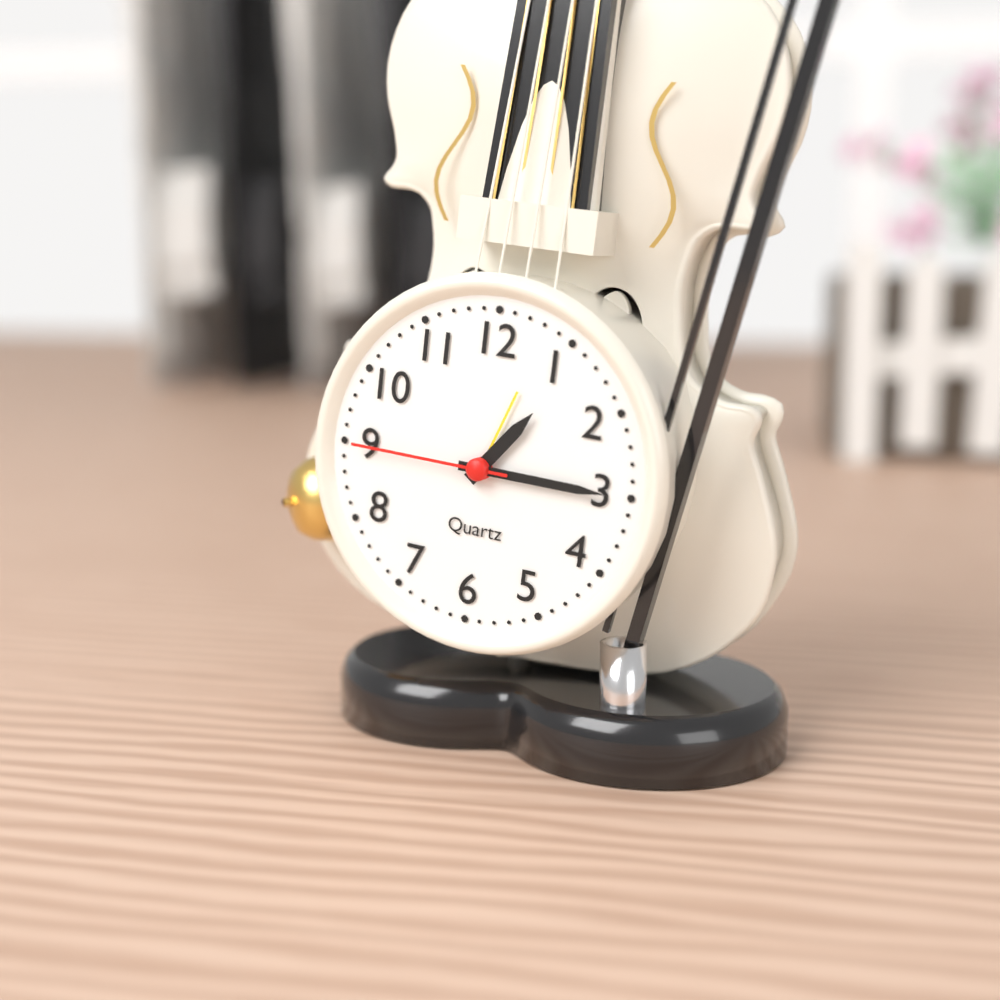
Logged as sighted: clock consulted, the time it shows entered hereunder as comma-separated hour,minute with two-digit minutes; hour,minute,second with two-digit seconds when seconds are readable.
1,15,45
